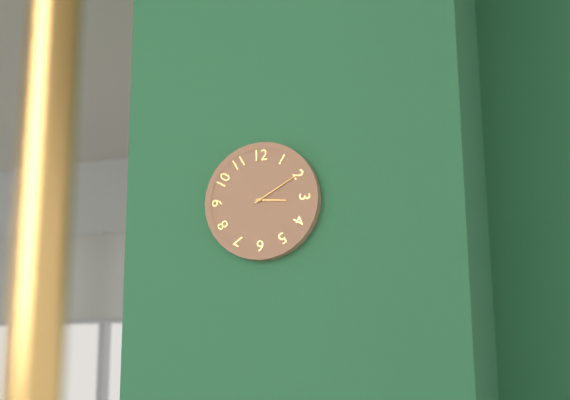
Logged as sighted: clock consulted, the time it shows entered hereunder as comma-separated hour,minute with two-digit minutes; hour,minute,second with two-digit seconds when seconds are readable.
3,10
